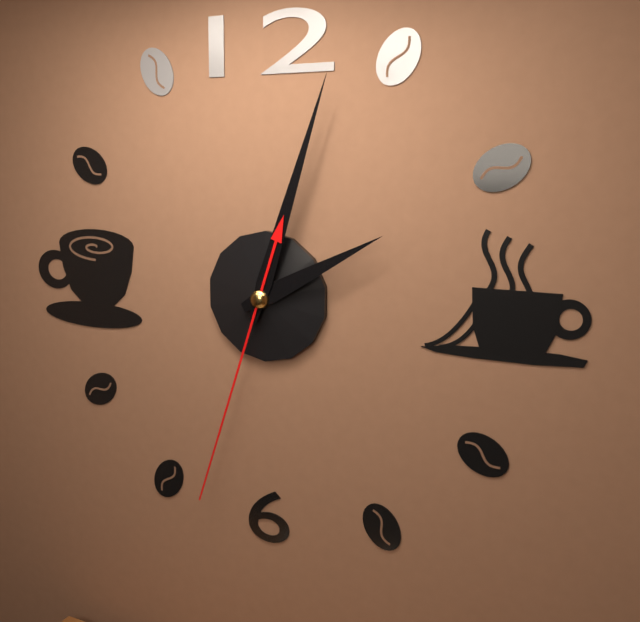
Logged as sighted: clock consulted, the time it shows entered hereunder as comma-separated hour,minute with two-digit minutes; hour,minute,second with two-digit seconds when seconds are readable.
2,03,33
